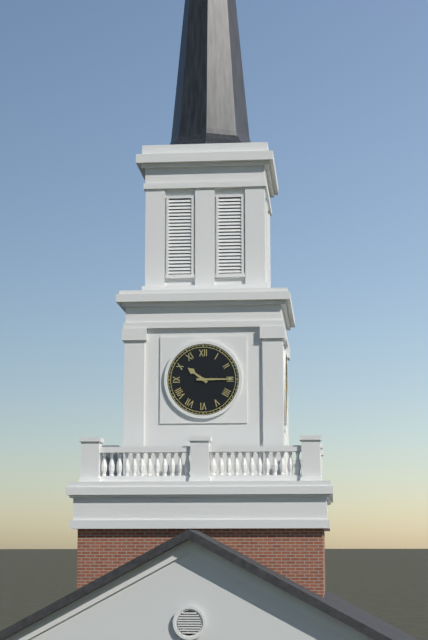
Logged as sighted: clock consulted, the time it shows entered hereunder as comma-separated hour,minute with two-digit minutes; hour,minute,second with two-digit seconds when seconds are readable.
10,15
